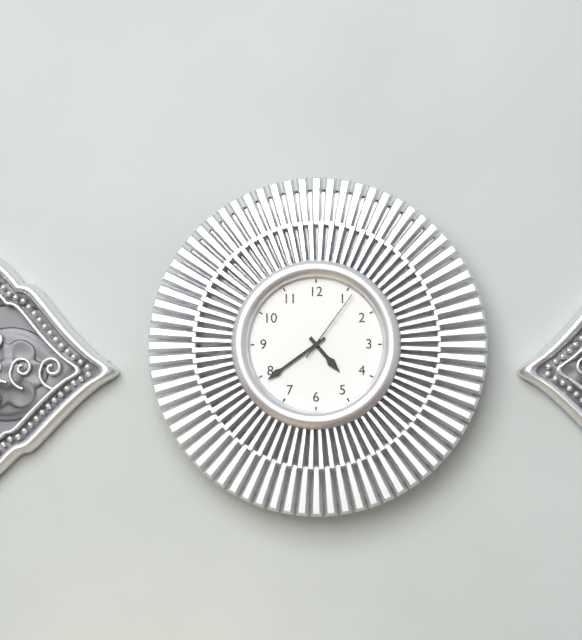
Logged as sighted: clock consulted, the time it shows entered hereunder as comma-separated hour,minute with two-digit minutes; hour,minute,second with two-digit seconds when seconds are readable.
4,39,06
